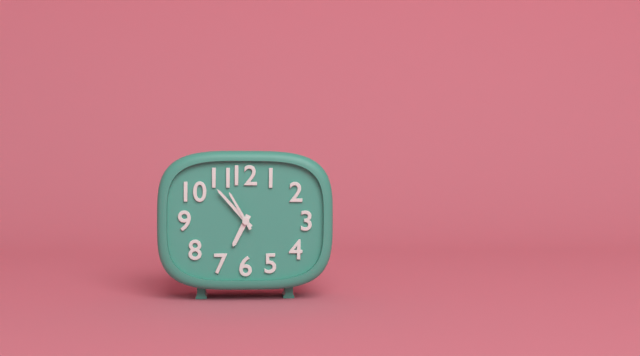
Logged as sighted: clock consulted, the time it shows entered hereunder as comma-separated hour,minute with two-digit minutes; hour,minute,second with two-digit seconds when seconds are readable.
6,53
